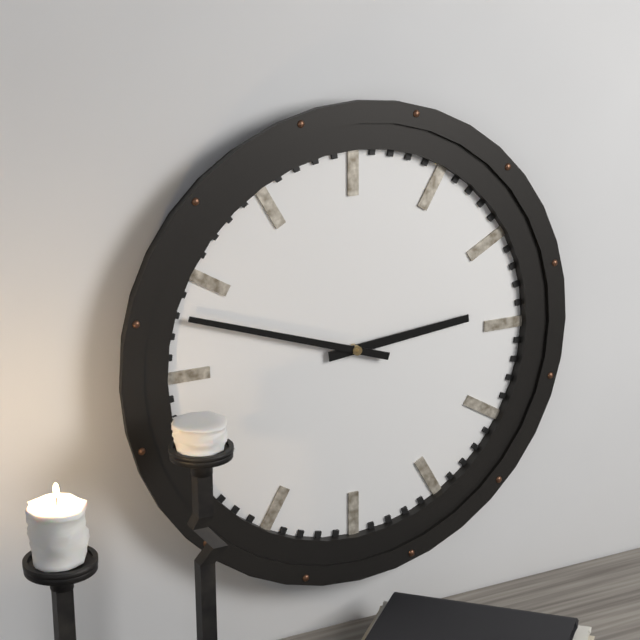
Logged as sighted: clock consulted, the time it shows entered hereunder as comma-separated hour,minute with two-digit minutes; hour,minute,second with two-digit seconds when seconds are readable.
2,48
